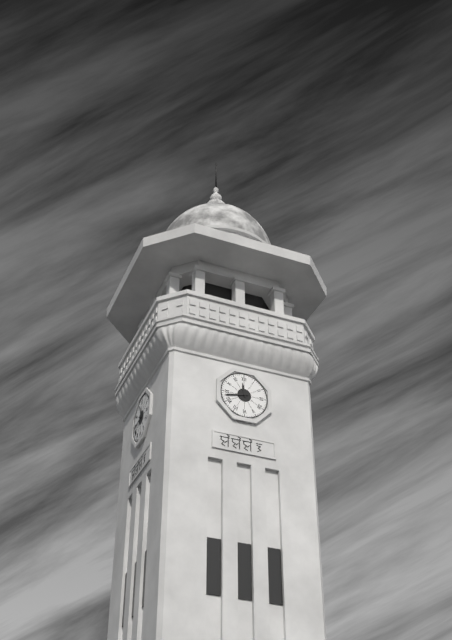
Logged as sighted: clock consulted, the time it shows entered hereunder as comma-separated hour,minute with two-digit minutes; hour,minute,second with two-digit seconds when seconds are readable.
11,43
